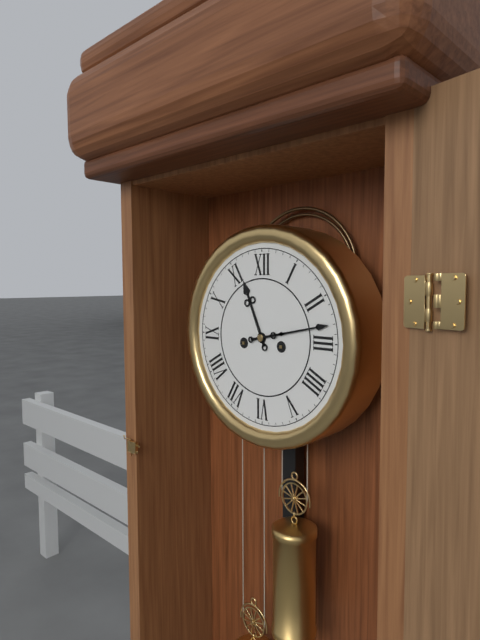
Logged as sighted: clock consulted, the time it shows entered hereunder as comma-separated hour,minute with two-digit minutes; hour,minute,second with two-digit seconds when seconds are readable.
11,13
